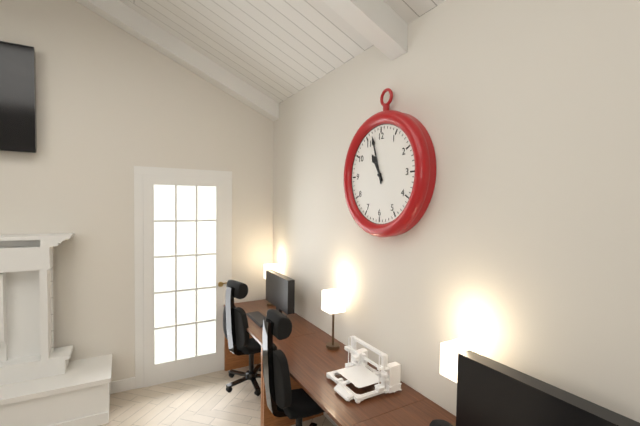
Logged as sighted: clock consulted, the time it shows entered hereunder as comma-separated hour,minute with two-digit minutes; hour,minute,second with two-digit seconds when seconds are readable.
10,57
